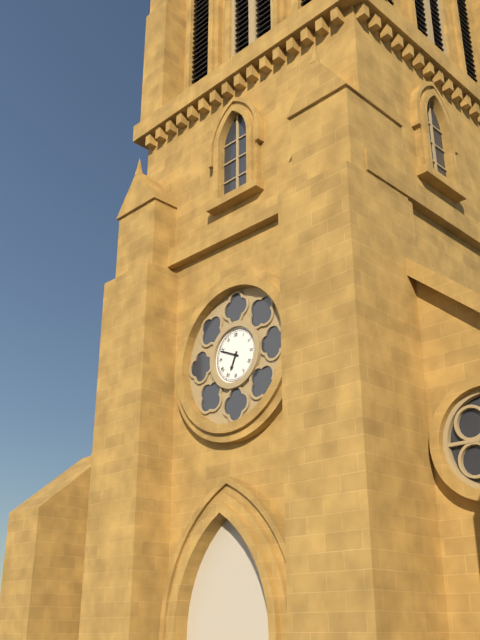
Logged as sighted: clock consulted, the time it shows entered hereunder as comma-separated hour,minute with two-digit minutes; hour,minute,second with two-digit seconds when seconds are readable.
6,49
